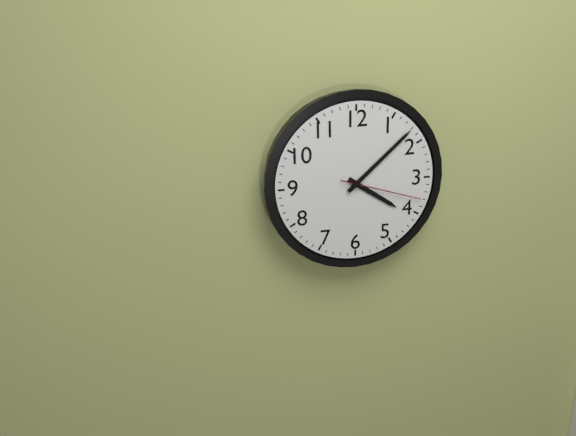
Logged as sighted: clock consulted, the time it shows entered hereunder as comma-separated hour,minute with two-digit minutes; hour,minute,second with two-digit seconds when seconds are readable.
4,08,18
